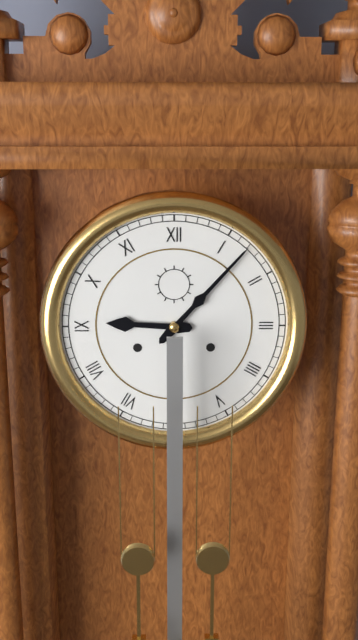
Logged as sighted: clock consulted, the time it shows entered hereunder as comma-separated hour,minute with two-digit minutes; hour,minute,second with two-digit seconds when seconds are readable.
9,07
